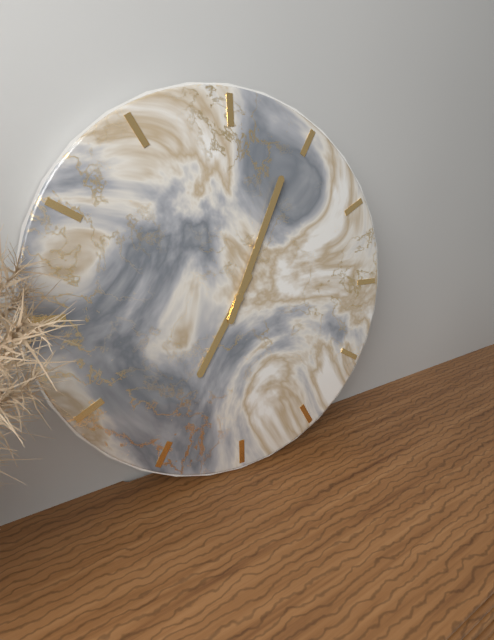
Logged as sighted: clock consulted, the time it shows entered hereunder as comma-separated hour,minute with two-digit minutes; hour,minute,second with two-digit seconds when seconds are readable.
7,04
